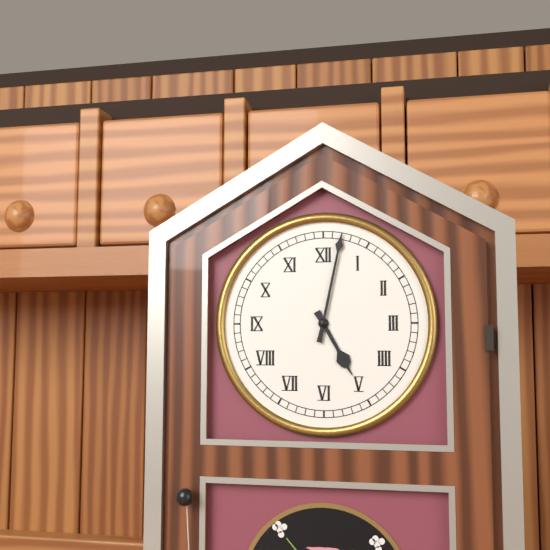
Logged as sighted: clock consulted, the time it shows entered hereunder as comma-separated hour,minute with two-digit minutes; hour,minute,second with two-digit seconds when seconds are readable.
5,02
